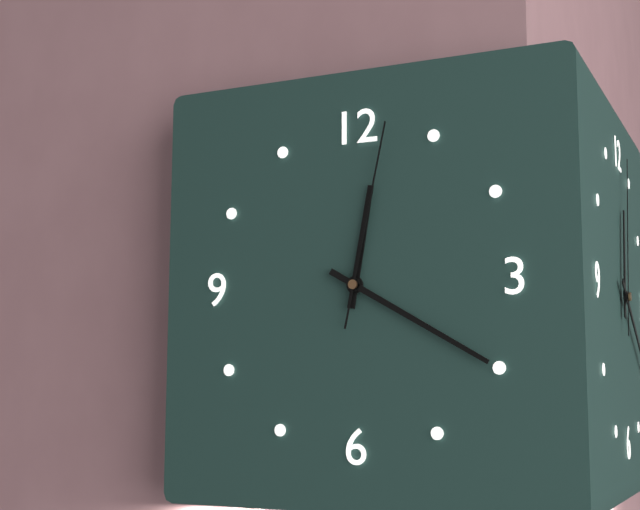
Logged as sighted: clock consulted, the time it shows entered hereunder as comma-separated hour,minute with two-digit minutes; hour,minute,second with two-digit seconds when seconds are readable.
12,20,02
